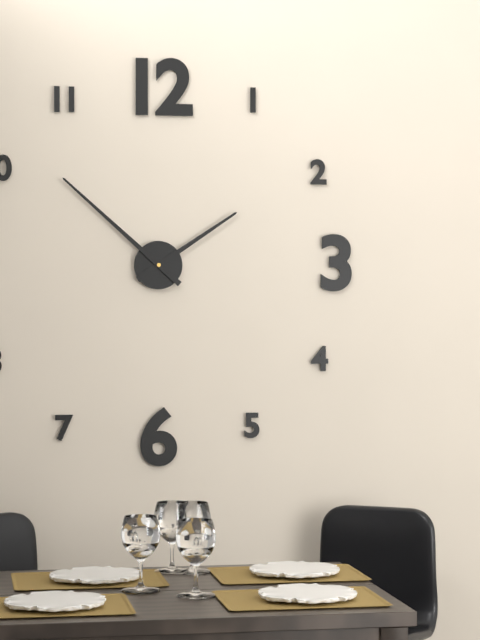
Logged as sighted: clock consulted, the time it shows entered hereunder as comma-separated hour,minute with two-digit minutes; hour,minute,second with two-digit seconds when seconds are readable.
1,52
